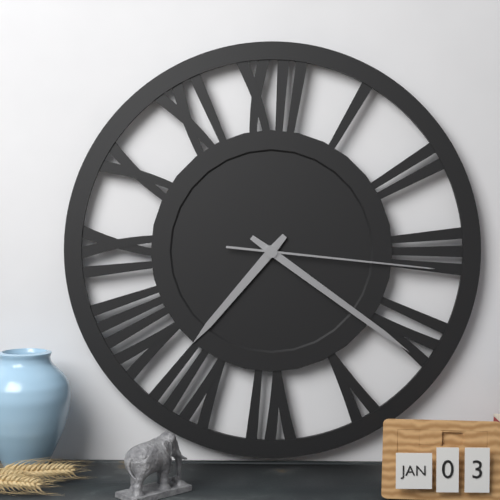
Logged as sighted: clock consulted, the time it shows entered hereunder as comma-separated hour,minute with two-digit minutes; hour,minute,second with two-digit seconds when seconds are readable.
7,21,16
